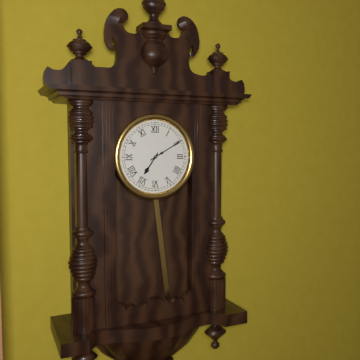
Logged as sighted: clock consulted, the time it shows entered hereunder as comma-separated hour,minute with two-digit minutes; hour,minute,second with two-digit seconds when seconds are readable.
7,10
